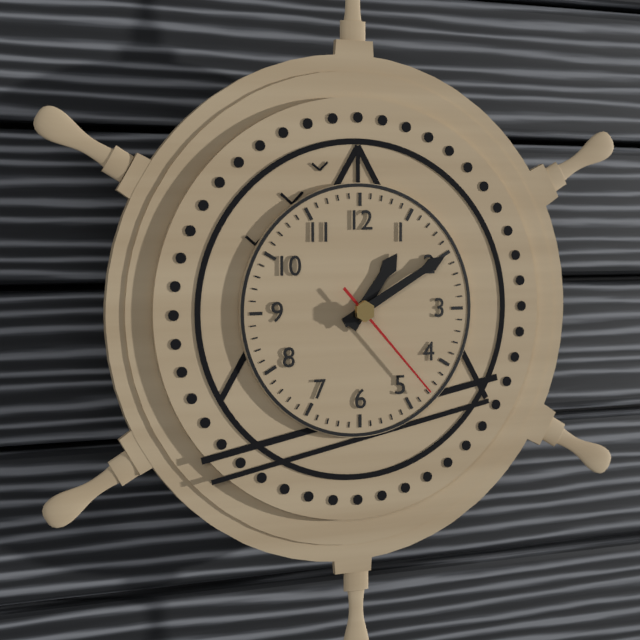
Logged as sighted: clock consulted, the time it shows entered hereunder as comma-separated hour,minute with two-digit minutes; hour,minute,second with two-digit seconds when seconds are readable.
1,10,23
